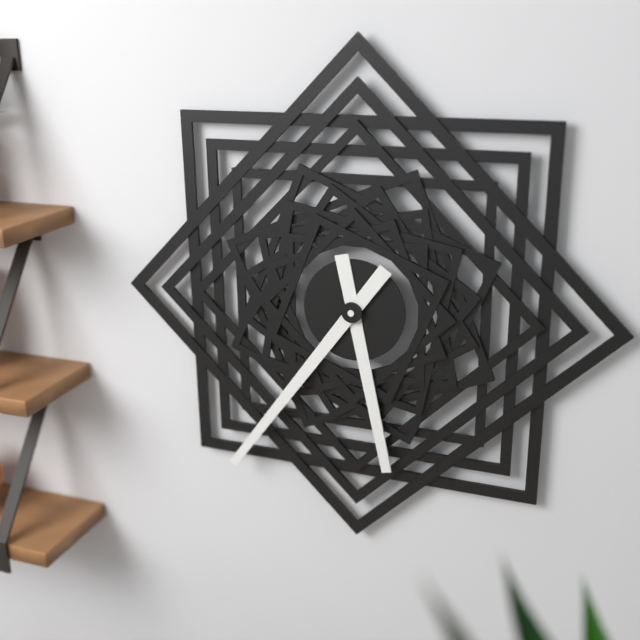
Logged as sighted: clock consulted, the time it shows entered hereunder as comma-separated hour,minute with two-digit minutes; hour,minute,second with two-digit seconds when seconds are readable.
5,36
